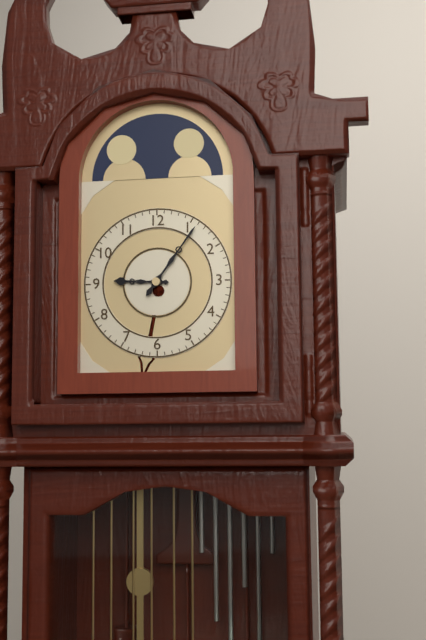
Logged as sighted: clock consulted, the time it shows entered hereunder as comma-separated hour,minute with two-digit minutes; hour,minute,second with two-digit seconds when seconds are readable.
9,06
